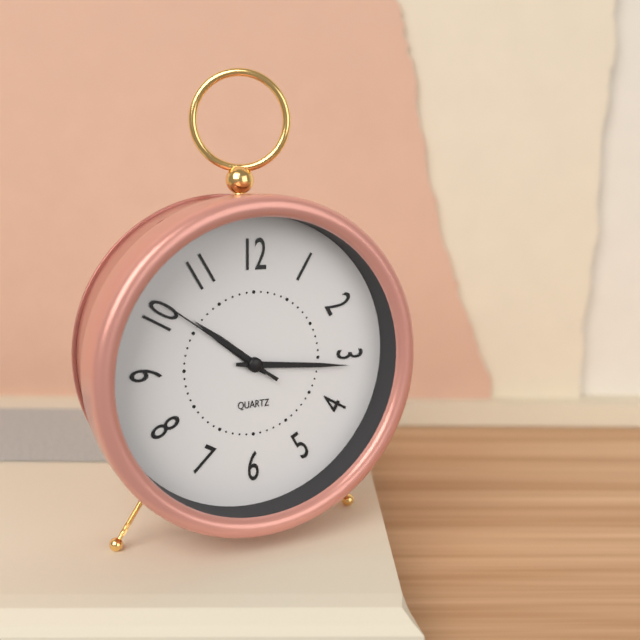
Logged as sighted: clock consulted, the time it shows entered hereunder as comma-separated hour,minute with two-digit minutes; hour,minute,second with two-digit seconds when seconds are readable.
10,16,51
